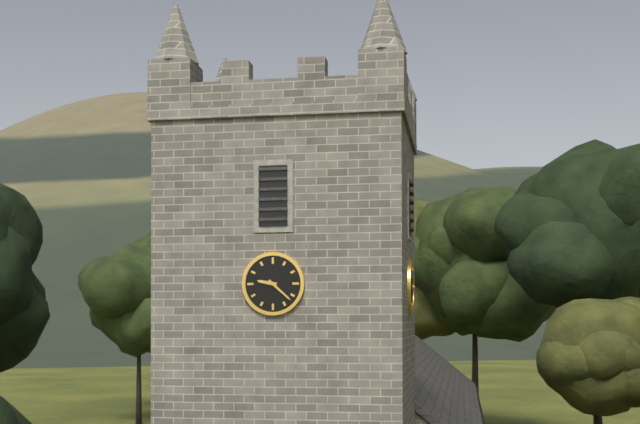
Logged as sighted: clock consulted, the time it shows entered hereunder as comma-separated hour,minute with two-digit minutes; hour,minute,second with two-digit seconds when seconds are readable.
9,22
